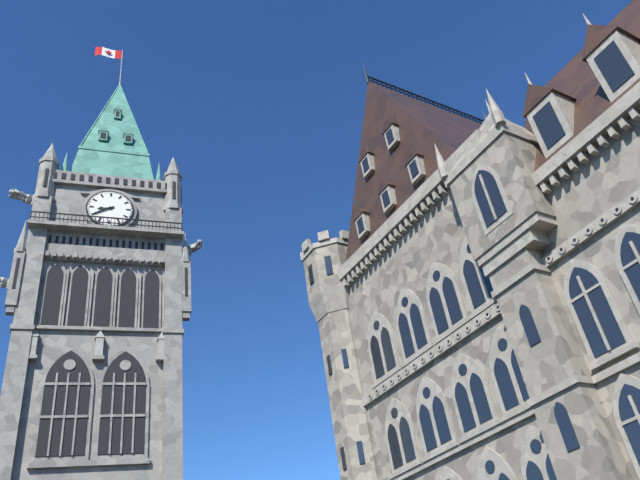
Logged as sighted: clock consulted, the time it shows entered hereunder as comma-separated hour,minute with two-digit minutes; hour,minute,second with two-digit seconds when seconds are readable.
8,40
